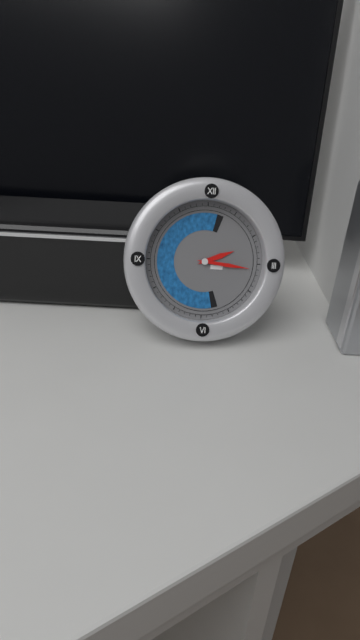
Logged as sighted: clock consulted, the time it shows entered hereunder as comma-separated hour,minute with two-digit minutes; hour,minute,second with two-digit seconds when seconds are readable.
2,16
